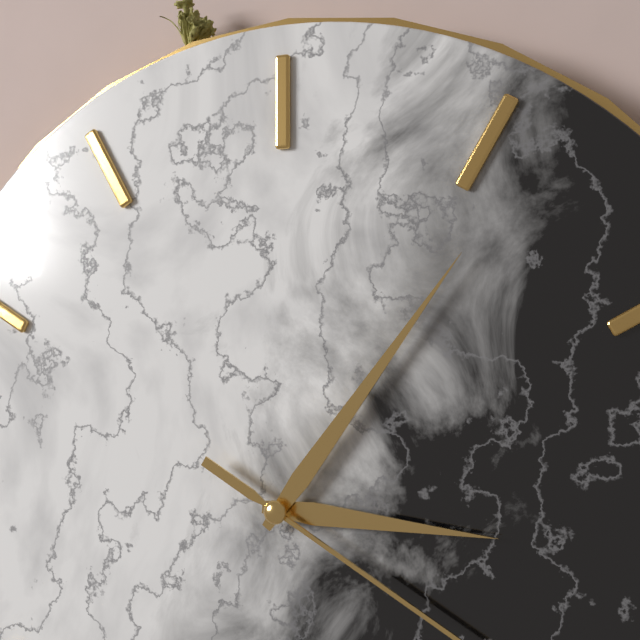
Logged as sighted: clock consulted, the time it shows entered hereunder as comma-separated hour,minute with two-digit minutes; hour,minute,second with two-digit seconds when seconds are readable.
3,06
